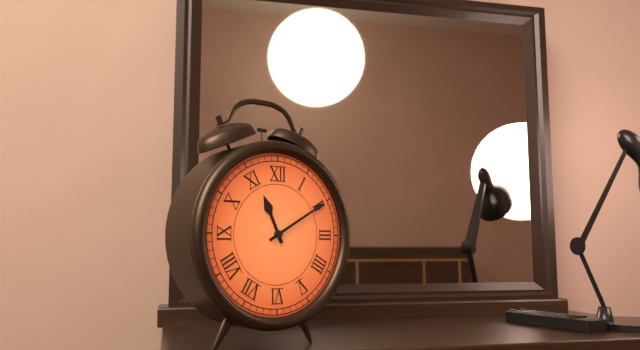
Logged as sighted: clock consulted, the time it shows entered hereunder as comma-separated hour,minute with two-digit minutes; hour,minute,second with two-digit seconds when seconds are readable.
11,10
